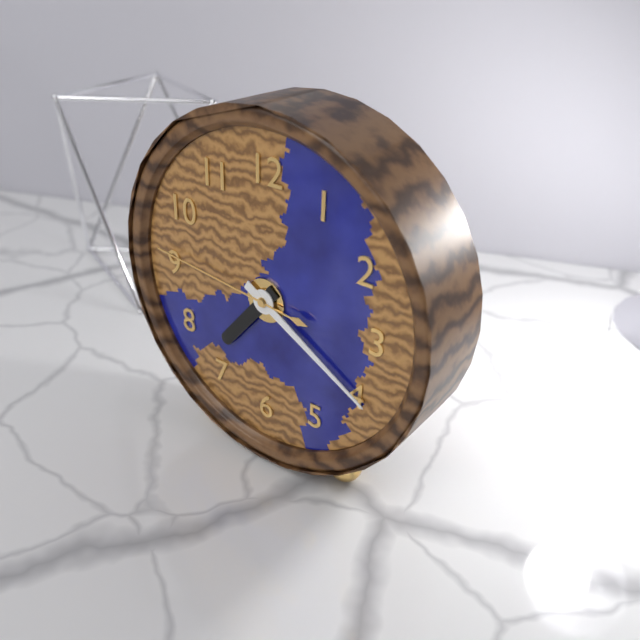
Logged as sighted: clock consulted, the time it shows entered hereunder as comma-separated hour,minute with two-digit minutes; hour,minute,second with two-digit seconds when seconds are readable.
7,20,46
